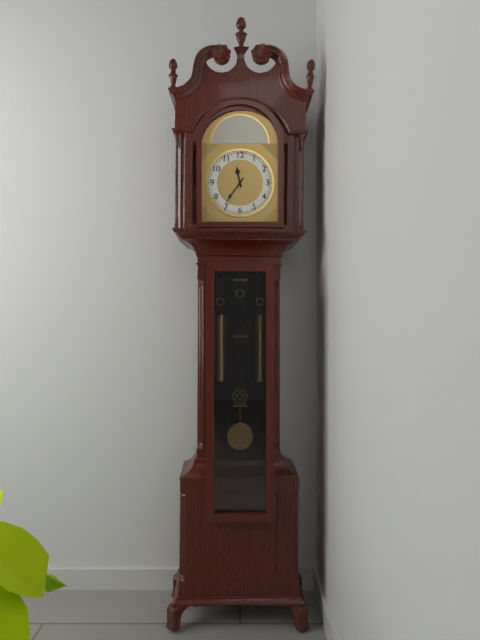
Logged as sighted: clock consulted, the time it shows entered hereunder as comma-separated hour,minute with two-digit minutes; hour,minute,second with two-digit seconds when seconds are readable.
11,36
